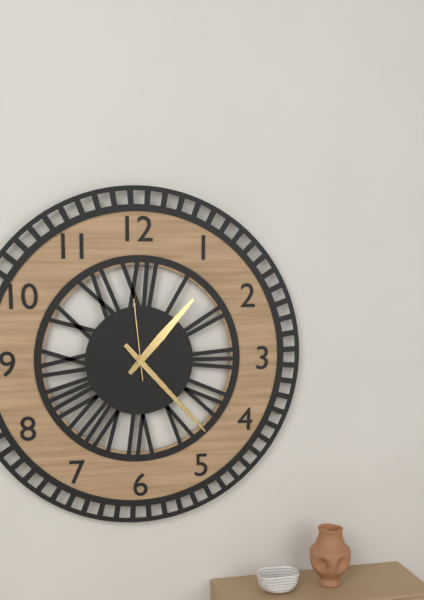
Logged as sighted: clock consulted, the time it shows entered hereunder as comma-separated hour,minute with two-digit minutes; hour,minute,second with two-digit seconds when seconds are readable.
1,23,59
